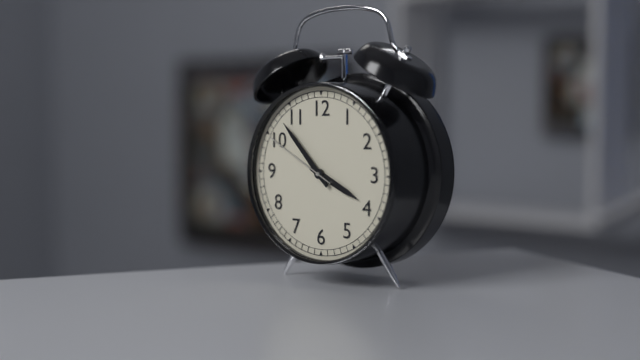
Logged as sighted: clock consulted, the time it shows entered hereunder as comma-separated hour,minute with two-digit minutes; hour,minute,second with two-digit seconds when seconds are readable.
3,53,50
